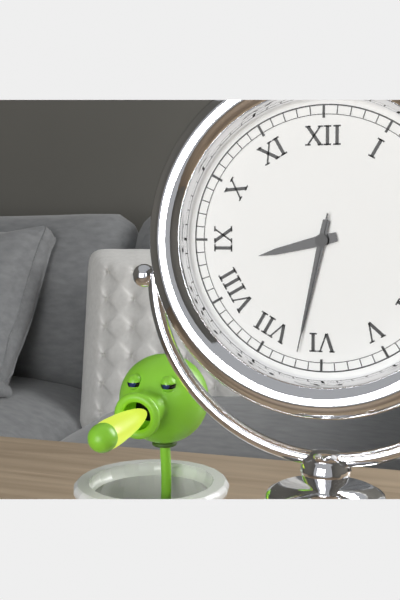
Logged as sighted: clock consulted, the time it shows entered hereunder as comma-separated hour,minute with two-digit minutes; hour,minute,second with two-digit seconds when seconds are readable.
8,32,32
